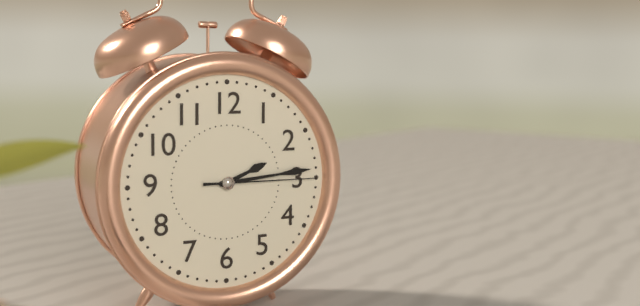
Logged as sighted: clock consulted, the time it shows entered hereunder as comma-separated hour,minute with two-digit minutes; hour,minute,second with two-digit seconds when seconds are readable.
2,14,15
